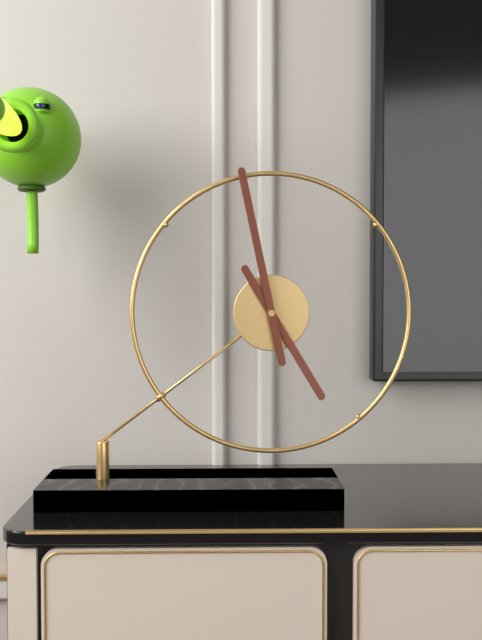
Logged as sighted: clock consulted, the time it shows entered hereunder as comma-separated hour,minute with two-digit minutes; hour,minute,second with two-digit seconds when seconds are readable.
4,58
